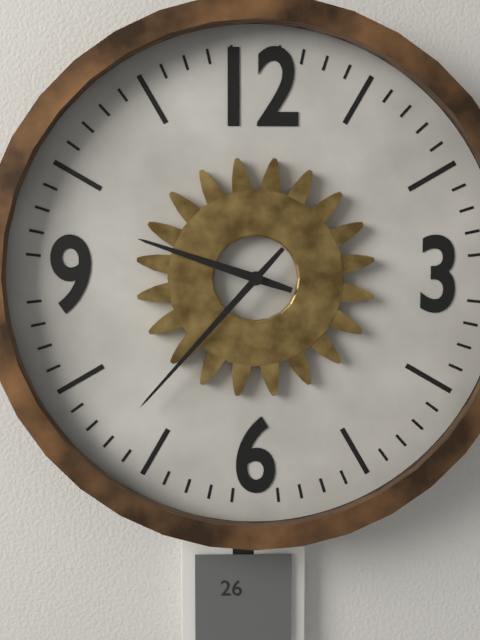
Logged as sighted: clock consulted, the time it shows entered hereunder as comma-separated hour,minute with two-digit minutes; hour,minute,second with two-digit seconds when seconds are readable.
9,37
